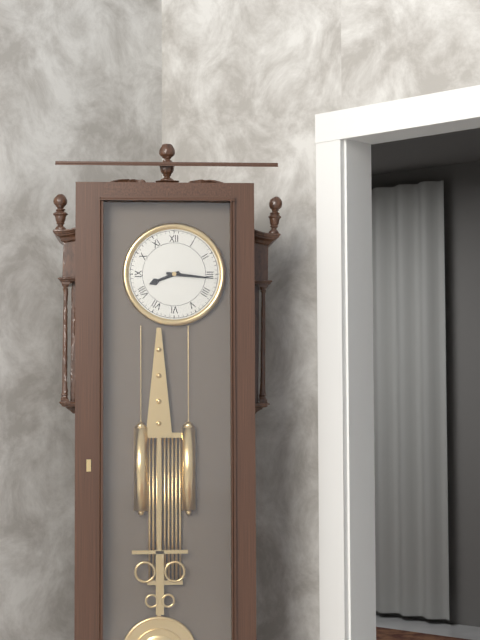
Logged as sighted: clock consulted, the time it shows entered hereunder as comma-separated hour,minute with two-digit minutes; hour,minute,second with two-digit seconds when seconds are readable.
8,16
